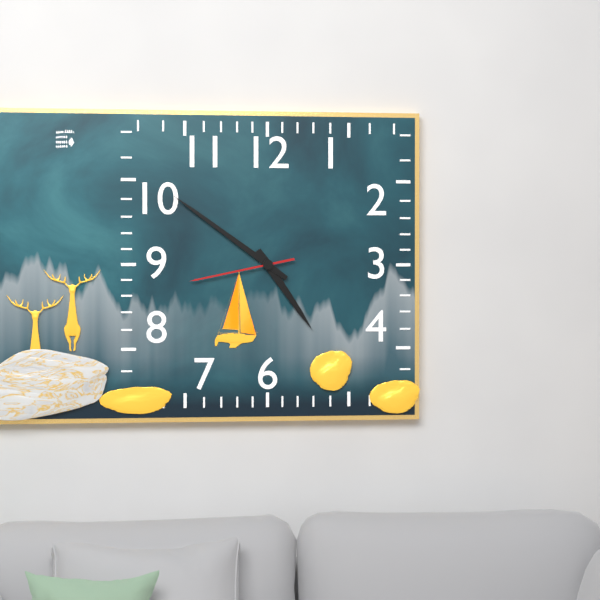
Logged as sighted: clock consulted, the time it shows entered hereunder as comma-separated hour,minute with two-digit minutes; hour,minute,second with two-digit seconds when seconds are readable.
4,51,43
